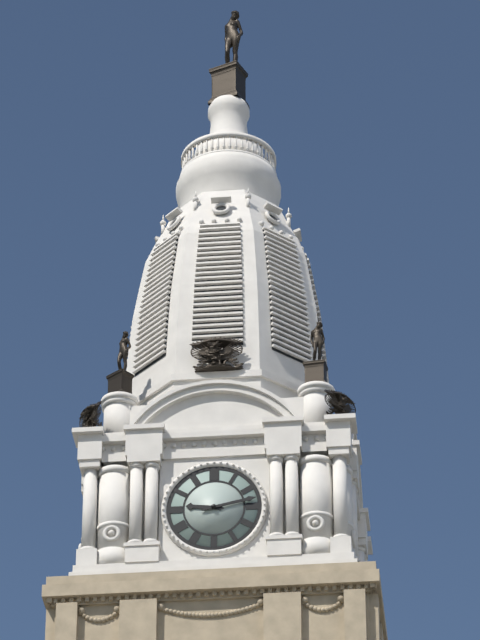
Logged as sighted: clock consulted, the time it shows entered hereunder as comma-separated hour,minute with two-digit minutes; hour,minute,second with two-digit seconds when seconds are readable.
9,13
